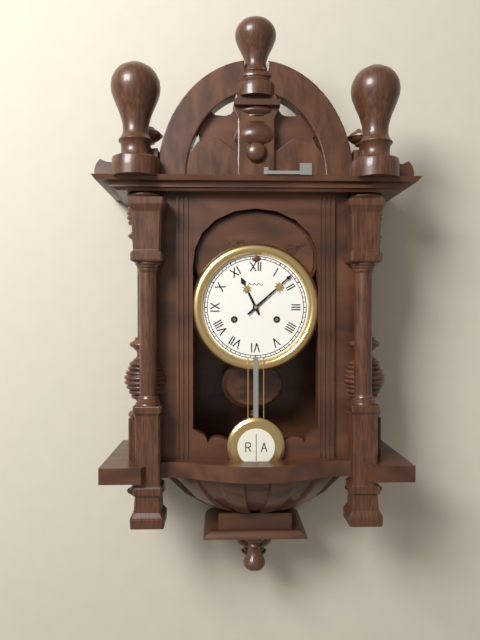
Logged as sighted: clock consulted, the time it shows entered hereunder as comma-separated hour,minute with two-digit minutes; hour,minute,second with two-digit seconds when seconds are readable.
11,08
